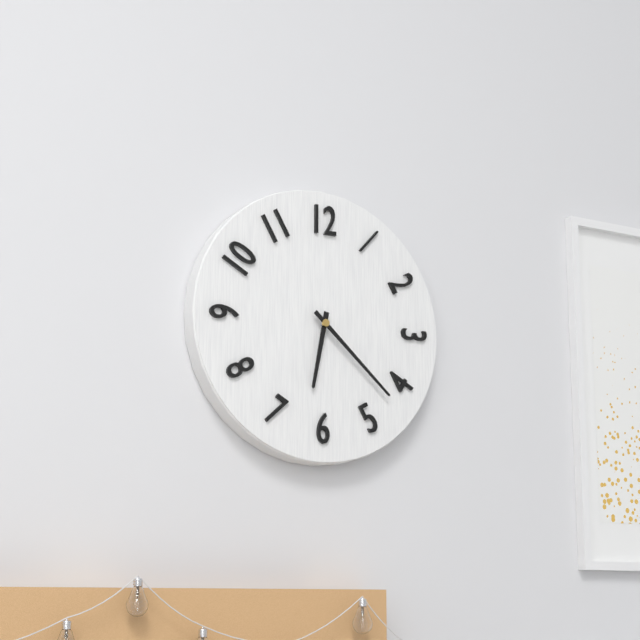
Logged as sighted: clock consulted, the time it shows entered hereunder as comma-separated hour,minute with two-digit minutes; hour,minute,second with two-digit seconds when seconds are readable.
6,22
